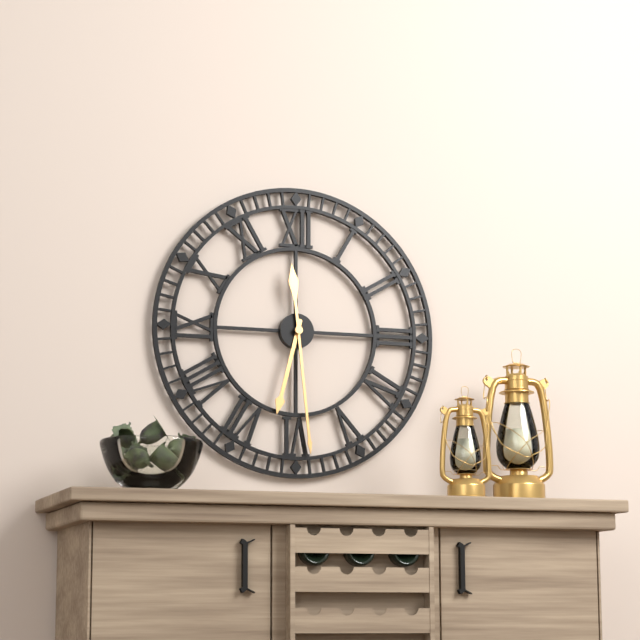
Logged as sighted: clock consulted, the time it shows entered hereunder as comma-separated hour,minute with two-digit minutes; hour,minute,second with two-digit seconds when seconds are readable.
6,29
